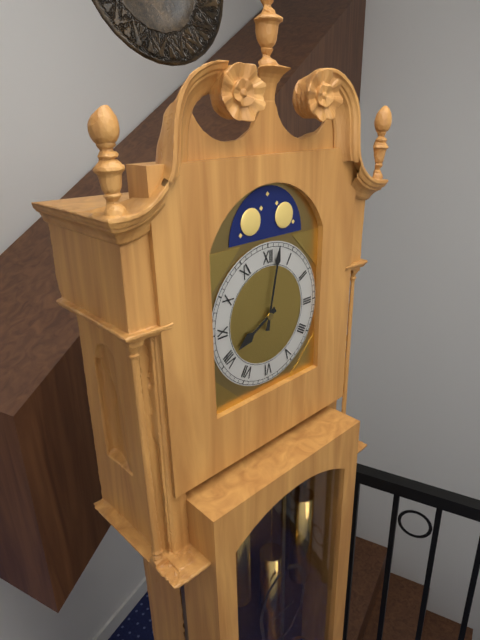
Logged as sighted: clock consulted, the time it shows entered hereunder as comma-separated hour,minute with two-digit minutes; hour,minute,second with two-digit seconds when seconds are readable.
8,02
